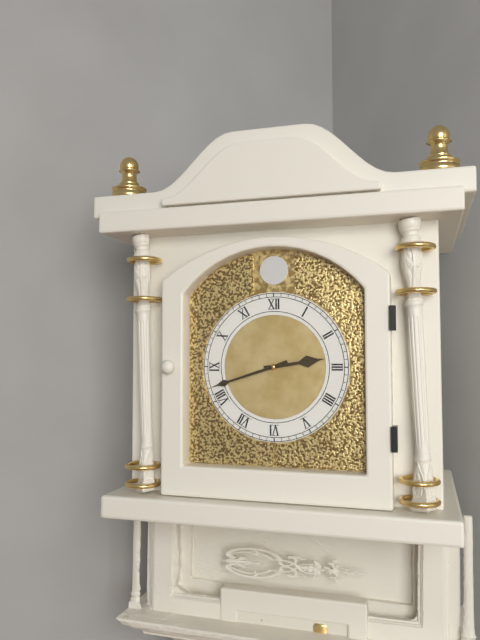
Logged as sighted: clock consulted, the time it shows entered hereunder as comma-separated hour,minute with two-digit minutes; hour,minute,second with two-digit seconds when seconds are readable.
2,42
